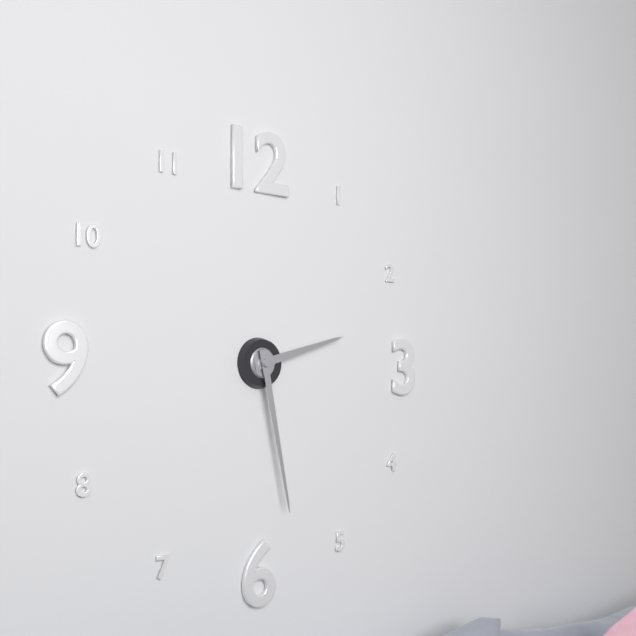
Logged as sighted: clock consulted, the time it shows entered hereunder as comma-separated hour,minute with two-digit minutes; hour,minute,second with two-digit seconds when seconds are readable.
2,28
